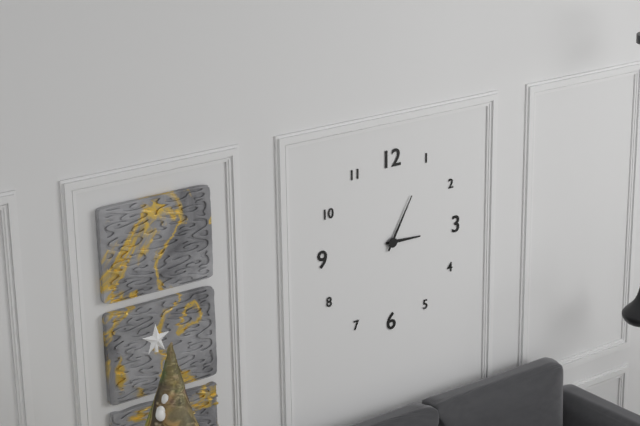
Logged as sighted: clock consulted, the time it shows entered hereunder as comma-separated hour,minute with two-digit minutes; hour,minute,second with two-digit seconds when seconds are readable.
3,05
